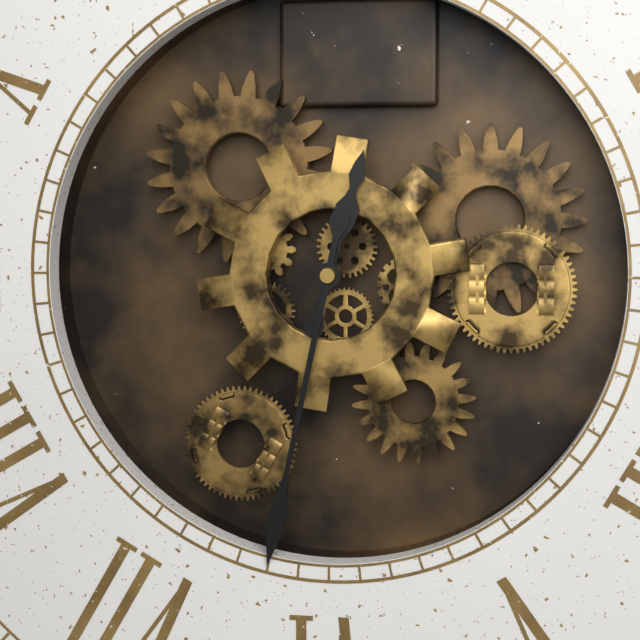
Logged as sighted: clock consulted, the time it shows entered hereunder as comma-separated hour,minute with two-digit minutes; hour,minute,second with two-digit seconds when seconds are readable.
12,32
